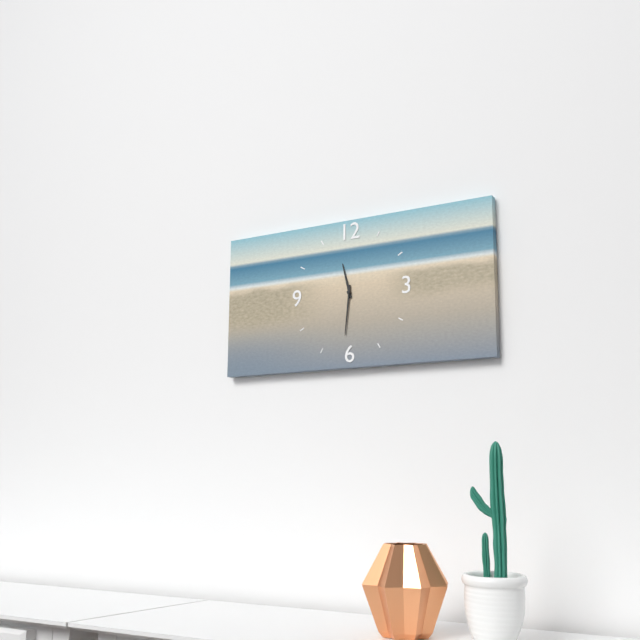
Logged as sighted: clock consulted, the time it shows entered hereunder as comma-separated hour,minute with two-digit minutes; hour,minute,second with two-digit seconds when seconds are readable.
11,31
